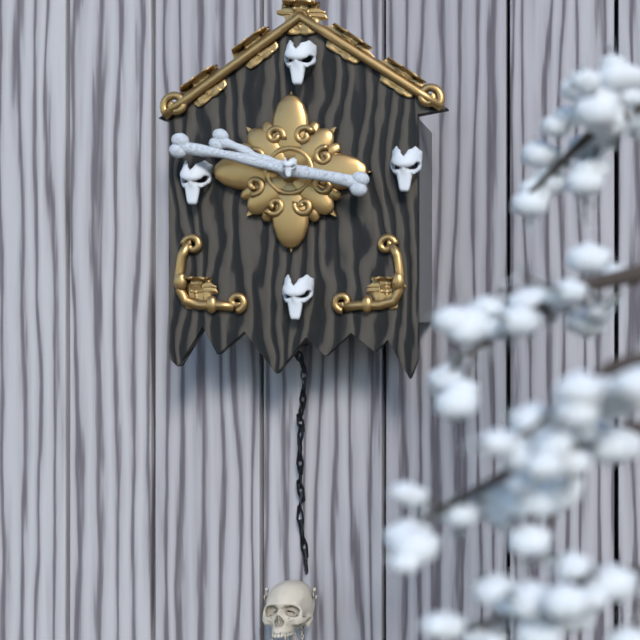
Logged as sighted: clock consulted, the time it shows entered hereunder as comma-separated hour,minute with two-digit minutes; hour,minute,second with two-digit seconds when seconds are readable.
9,47
